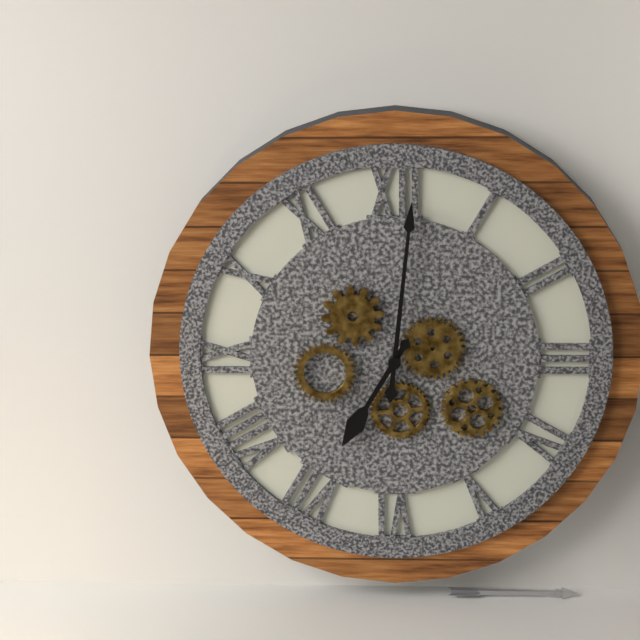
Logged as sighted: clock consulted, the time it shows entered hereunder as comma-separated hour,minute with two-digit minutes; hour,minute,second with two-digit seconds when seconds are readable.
7,01
